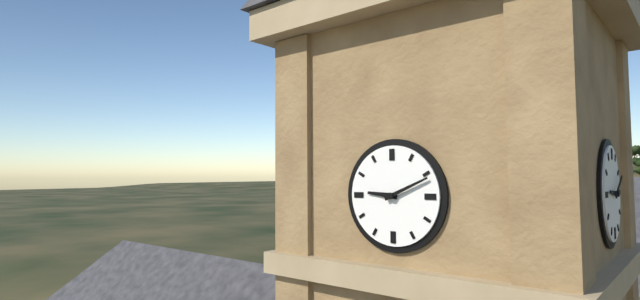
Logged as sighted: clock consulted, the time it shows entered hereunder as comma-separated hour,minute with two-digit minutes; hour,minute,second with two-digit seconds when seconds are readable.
9,11
